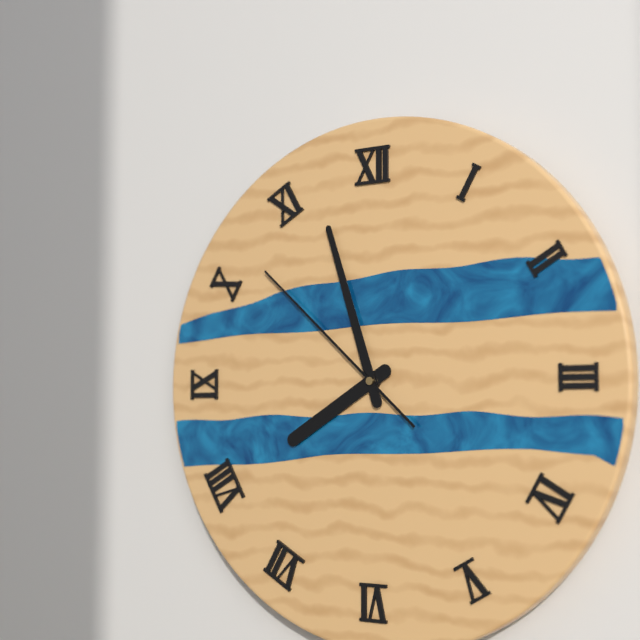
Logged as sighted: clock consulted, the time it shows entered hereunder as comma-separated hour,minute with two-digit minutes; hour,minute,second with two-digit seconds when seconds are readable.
7,57,52
